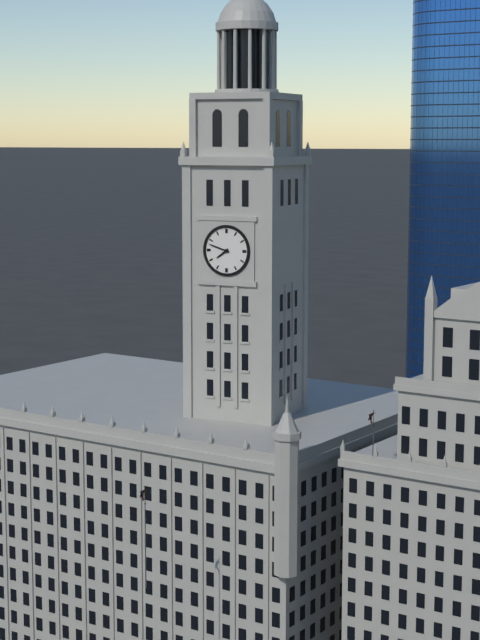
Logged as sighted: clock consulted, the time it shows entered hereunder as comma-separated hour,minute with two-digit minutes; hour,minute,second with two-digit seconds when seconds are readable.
7,48
